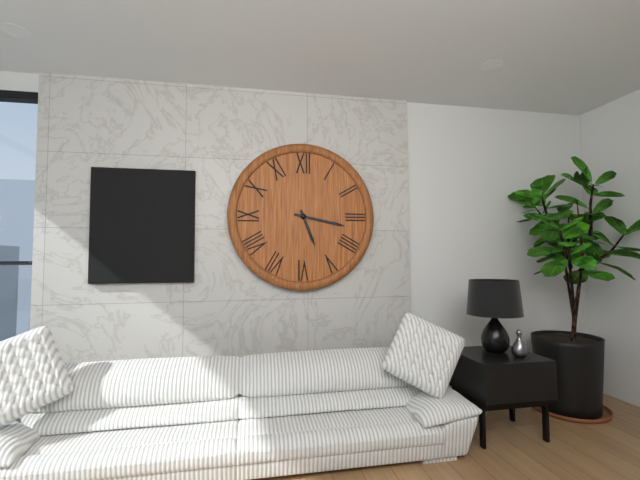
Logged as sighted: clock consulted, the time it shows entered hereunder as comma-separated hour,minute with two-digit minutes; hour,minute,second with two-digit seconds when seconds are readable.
5,17
